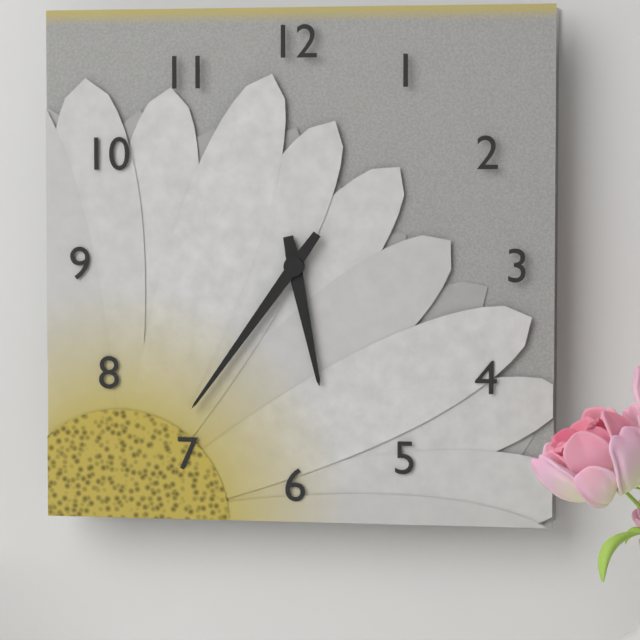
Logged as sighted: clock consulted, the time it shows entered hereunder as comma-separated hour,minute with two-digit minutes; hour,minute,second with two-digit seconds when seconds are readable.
5,36
